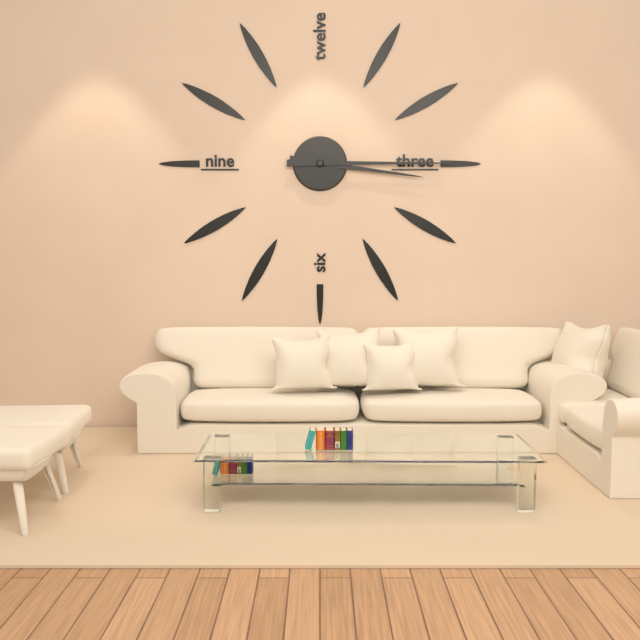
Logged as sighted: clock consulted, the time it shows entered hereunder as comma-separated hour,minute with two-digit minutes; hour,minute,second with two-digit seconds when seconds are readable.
3,15
